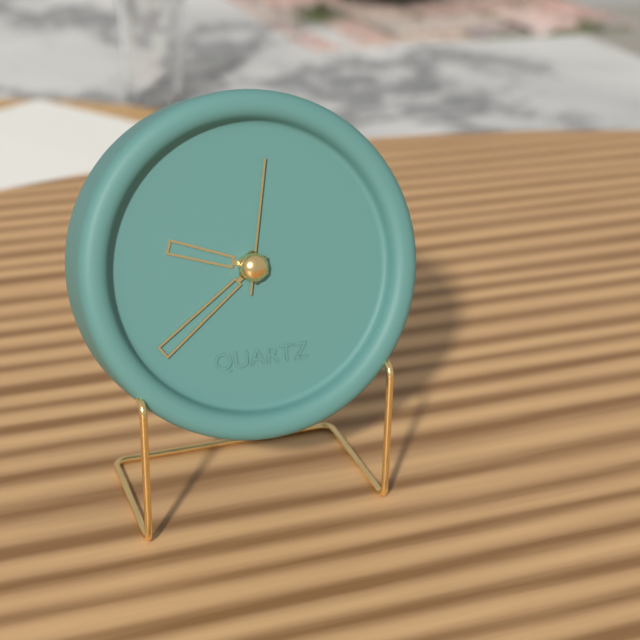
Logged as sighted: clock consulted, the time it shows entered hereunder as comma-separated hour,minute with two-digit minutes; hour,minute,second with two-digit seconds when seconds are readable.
9,39,02
